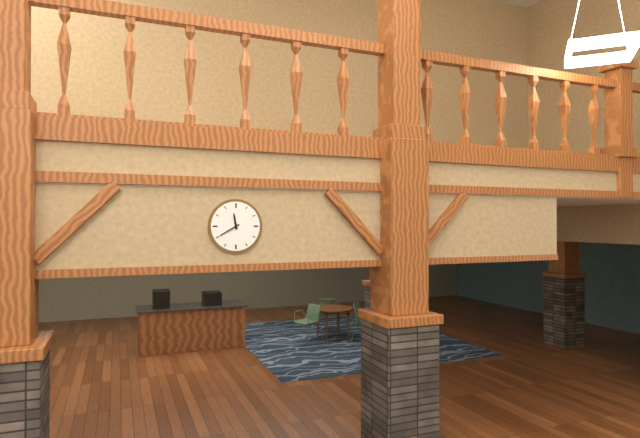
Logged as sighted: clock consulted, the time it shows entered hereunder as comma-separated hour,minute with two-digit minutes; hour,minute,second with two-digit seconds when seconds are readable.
11,40
